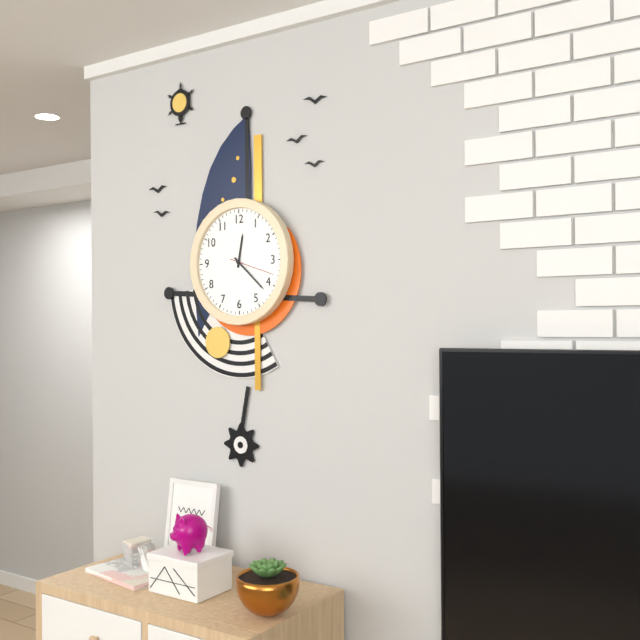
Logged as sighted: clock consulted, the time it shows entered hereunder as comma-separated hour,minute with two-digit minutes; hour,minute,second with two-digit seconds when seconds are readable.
12,22
